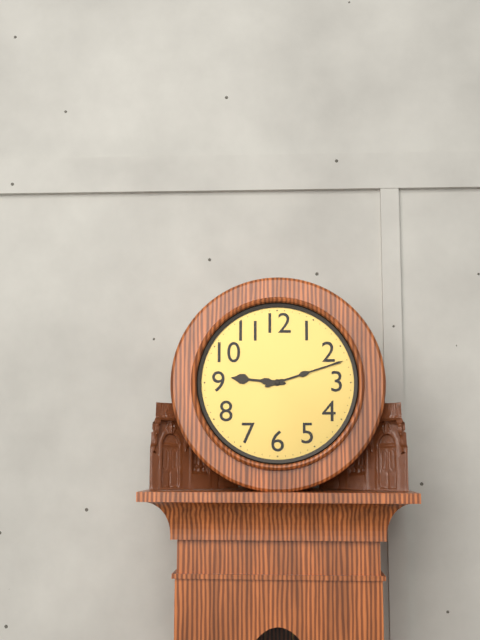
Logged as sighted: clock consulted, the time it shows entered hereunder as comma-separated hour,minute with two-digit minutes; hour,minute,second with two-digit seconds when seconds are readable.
9,12
